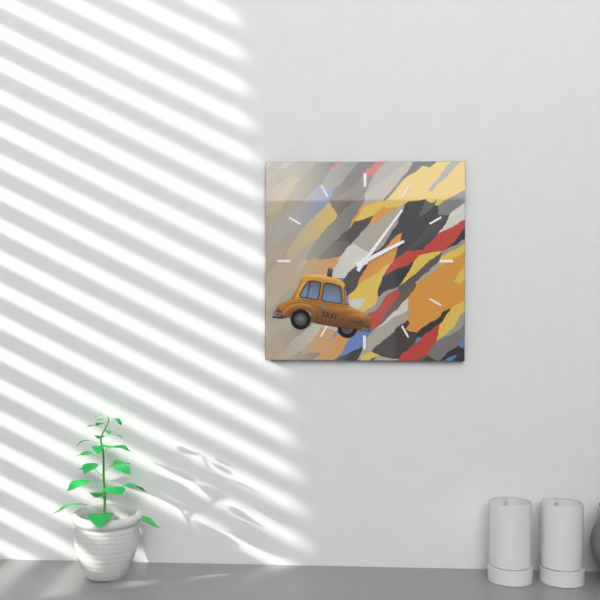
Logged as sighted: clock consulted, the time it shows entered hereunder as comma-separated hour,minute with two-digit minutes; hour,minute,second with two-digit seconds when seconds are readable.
2,06
